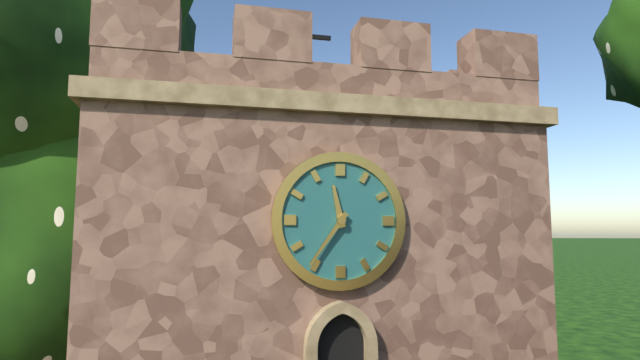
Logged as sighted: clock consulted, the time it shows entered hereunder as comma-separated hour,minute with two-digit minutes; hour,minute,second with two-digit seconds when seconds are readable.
11,36
